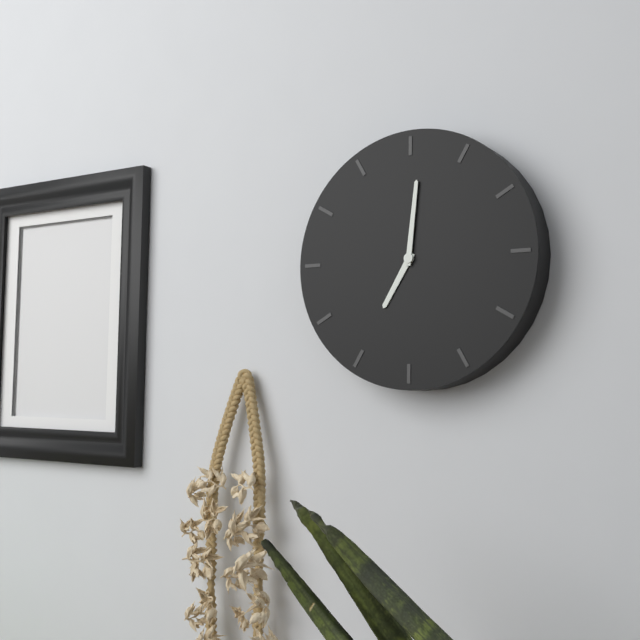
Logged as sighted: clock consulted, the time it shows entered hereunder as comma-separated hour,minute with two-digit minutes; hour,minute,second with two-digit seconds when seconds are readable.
7,01
